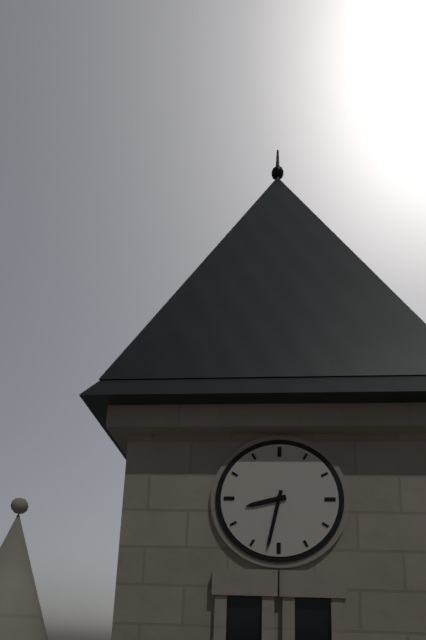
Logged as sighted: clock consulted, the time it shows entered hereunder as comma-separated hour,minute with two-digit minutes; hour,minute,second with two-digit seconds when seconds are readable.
8,32
